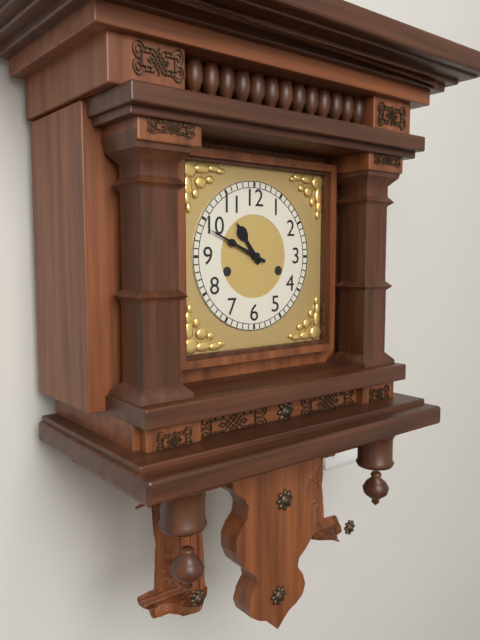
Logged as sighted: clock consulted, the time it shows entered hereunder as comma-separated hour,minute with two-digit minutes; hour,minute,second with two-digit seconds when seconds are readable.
10,49
